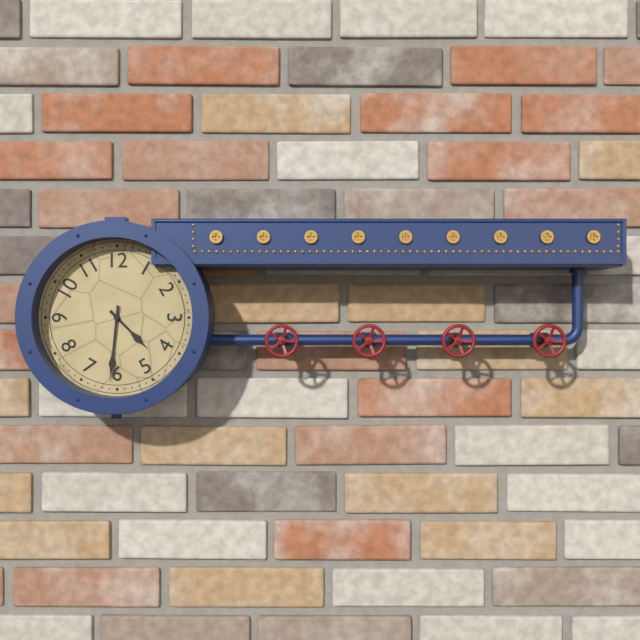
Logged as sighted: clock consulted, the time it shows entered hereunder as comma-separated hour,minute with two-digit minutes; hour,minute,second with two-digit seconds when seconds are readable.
4,31
